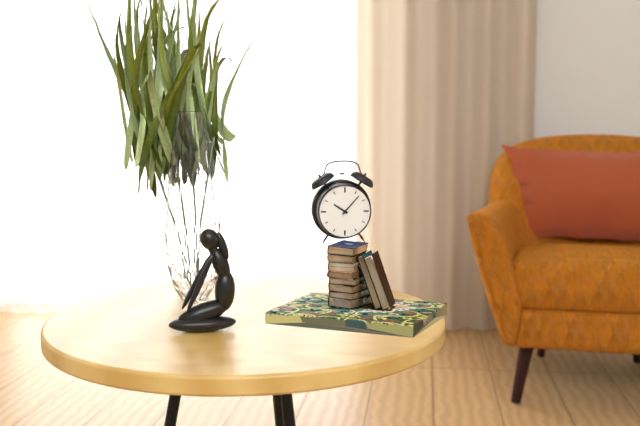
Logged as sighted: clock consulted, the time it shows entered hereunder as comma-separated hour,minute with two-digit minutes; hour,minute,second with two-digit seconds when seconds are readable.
10,07
